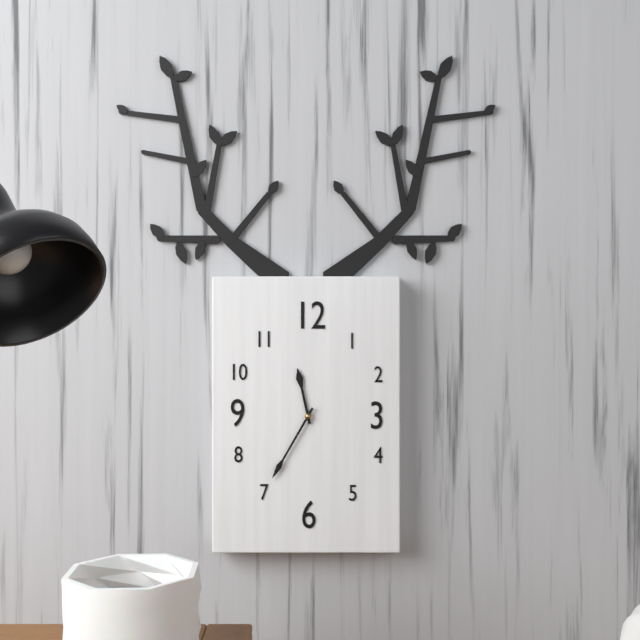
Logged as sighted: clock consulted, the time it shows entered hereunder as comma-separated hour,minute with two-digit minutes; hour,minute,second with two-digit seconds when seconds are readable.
11,35
